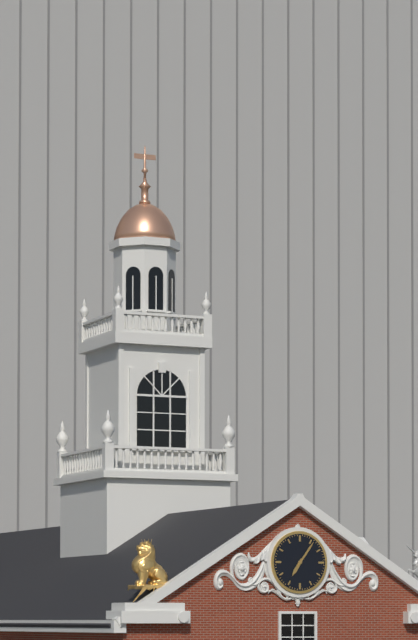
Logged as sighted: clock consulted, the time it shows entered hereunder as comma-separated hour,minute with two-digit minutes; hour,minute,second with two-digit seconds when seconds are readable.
7,06
